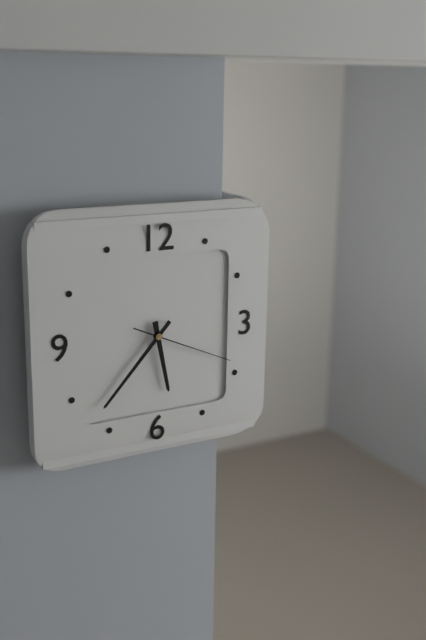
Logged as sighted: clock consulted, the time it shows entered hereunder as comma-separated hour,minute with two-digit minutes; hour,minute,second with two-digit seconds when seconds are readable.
5,37,19
